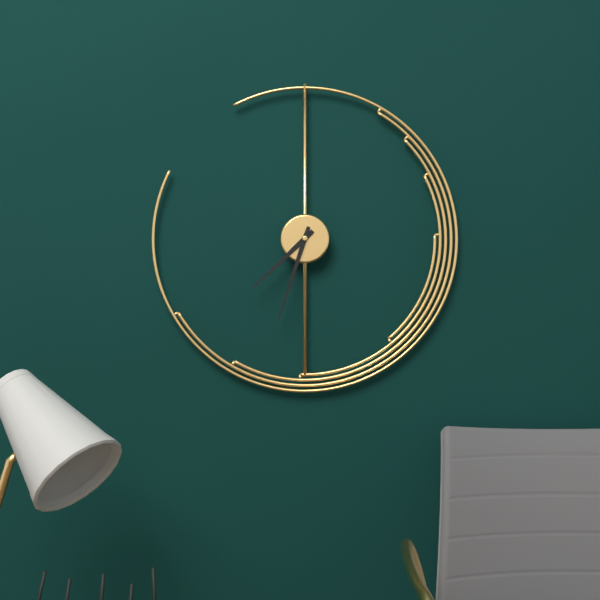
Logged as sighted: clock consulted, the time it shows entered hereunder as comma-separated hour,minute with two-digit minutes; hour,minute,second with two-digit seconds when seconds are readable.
7,33
